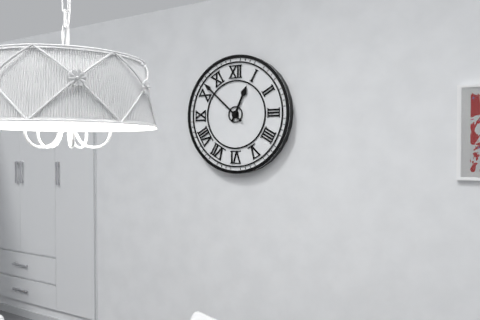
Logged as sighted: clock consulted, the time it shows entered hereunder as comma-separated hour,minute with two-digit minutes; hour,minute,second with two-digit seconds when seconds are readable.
12,52
